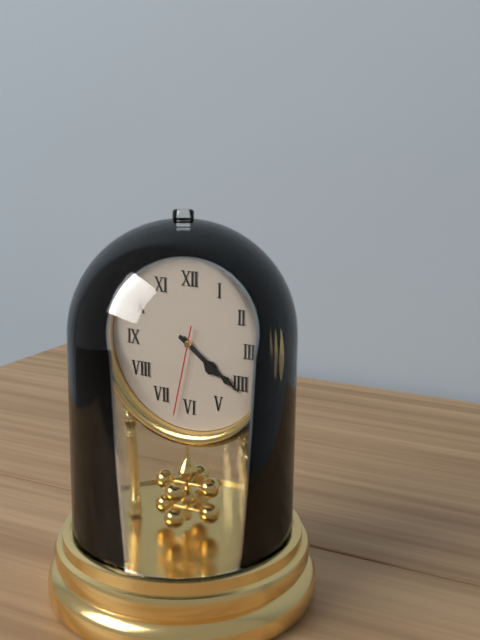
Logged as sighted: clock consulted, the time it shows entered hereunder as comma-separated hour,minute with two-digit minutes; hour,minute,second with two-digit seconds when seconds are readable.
4,21,32
